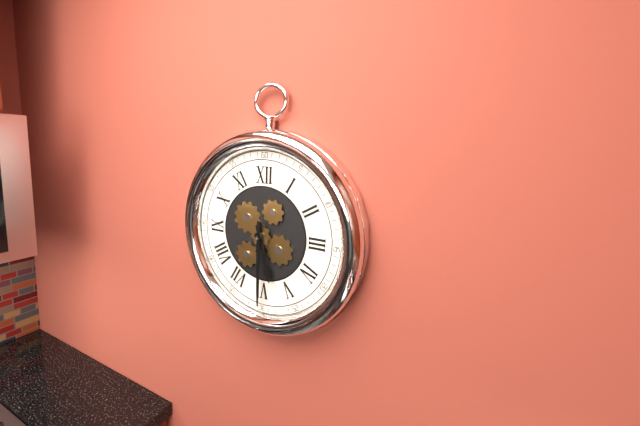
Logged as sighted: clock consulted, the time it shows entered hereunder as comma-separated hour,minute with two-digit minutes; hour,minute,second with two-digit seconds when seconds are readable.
5,30
